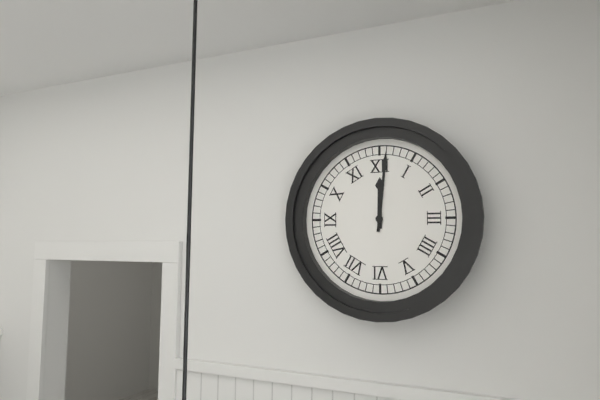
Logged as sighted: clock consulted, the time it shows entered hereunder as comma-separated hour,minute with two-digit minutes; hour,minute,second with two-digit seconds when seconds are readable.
12,01
